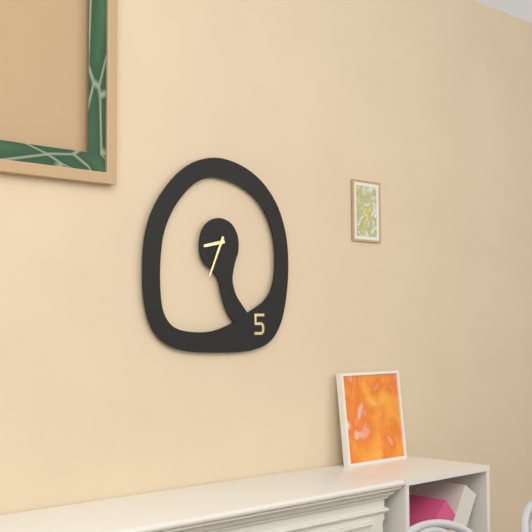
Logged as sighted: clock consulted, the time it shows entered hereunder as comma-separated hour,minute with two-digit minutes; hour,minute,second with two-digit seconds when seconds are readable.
8,34
